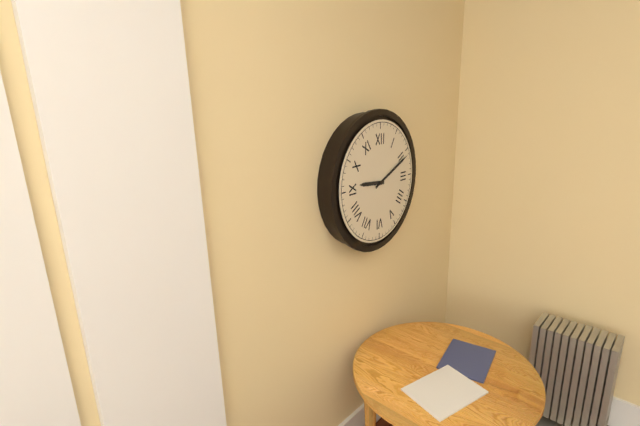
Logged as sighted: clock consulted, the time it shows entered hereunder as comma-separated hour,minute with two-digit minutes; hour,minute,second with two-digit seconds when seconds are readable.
9,11
